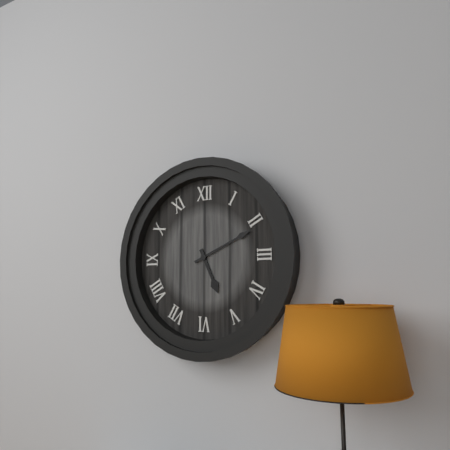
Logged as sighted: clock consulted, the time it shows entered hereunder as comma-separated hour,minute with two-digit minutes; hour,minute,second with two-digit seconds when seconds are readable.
5,11
